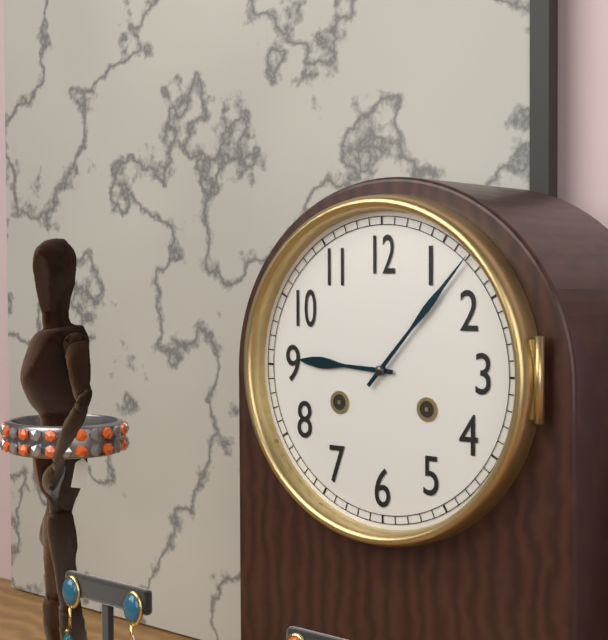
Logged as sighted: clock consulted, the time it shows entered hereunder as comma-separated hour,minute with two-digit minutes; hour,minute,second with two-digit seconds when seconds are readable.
9,07
